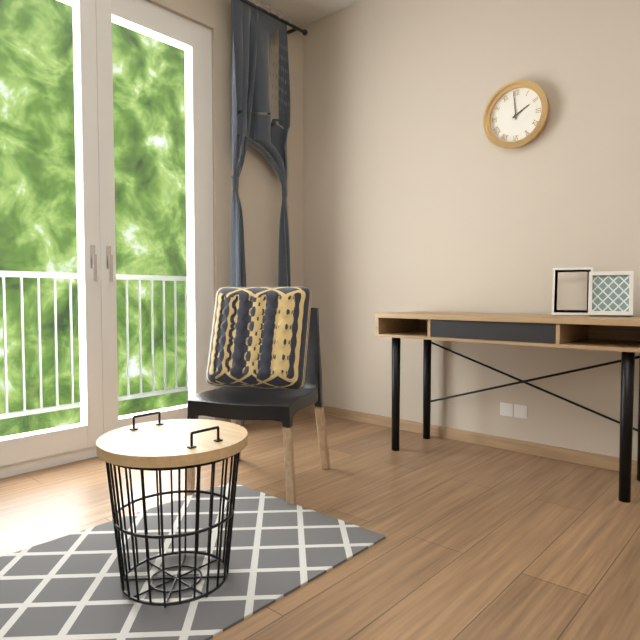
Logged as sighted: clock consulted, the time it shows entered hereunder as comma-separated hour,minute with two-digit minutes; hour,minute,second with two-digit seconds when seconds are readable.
1,59
